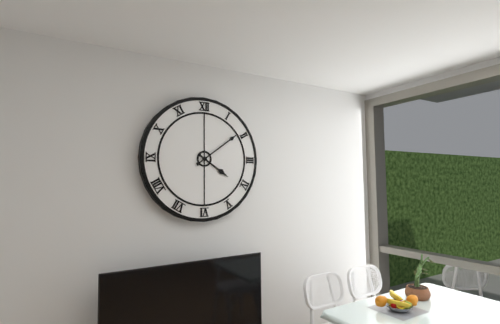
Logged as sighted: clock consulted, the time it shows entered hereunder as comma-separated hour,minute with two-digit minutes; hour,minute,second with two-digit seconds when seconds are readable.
4,09
